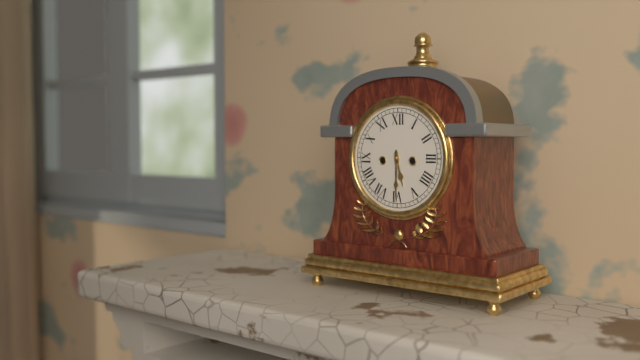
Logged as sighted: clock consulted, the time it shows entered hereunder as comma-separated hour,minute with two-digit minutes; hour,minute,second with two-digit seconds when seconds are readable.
5,30
